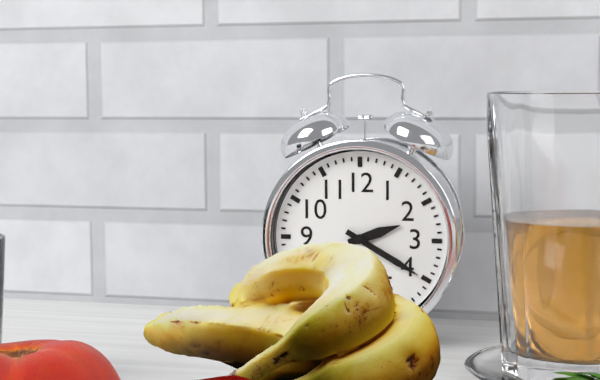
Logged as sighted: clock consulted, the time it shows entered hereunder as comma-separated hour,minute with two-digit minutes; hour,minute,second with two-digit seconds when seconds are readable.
2,20
